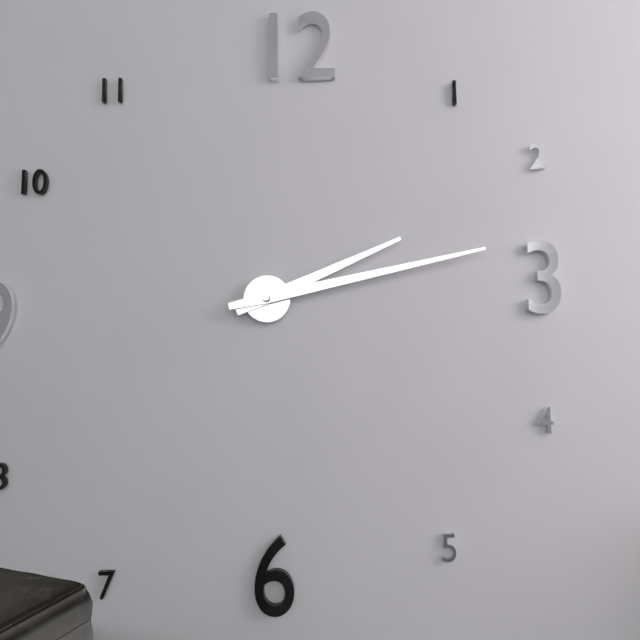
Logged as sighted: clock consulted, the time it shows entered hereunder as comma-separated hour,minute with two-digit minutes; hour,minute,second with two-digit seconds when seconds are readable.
2,13
